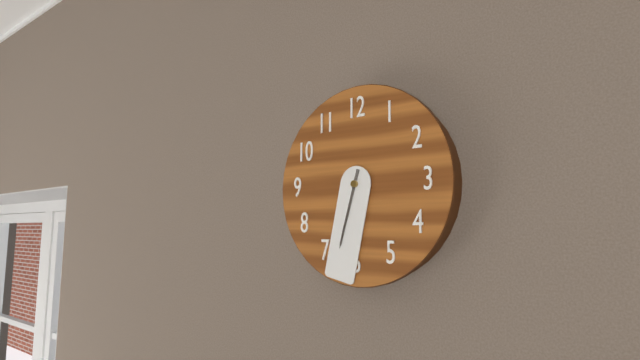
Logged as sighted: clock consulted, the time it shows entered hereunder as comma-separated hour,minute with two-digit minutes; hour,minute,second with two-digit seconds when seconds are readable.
6,32
